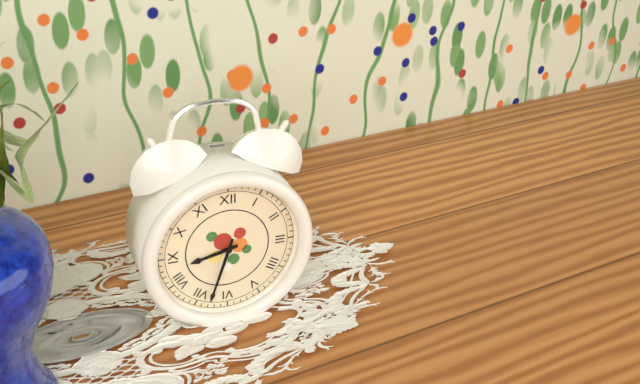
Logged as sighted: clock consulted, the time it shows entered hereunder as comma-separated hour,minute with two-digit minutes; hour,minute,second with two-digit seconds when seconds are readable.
8,33
